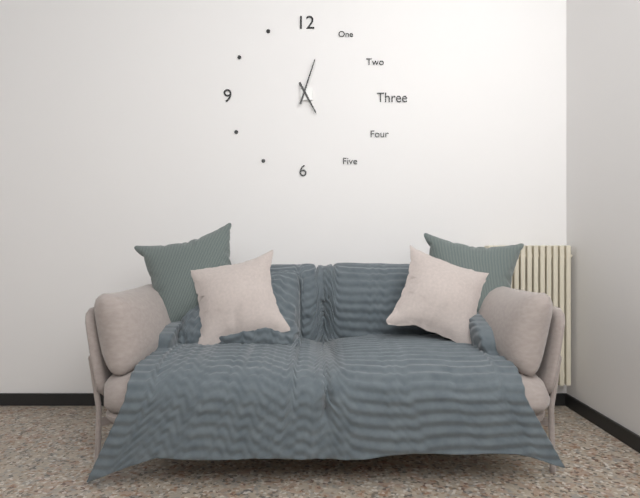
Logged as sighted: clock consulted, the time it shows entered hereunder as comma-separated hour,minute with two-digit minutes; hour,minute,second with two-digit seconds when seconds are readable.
5,03
